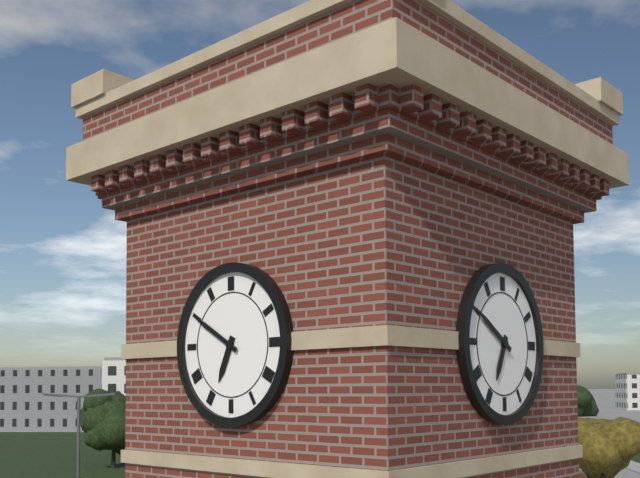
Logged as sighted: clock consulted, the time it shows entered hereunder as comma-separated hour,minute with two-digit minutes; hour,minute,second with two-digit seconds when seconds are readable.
6,50
